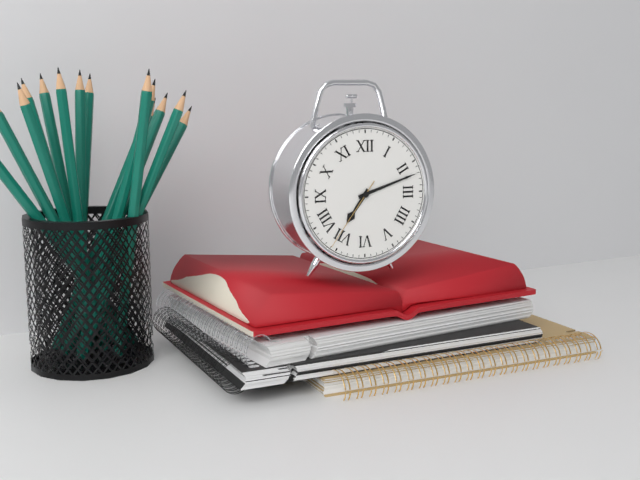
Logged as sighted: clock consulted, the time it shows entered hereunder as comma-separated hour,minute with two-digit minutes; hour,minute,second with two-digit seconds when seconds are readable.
7,12,36
